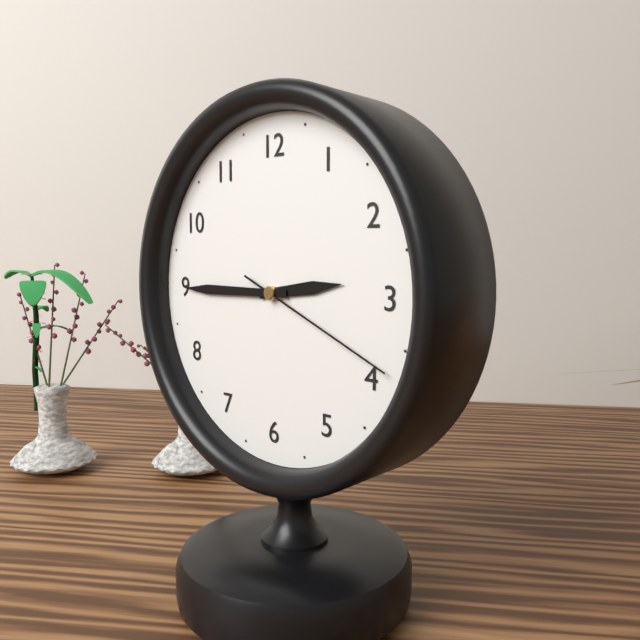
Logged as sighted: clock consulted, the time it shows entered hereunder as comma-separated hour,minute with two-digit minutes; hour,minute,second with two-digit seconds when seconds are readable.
2,45,19
